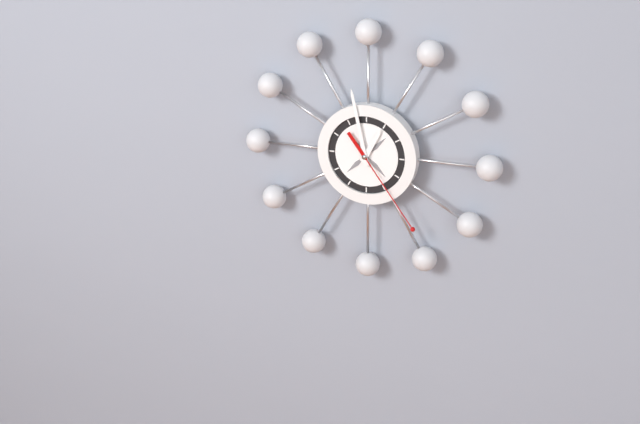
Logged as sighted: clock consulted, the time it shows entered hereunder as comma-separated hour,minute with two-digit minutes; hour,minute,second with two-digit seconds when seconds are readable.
12,58,24
